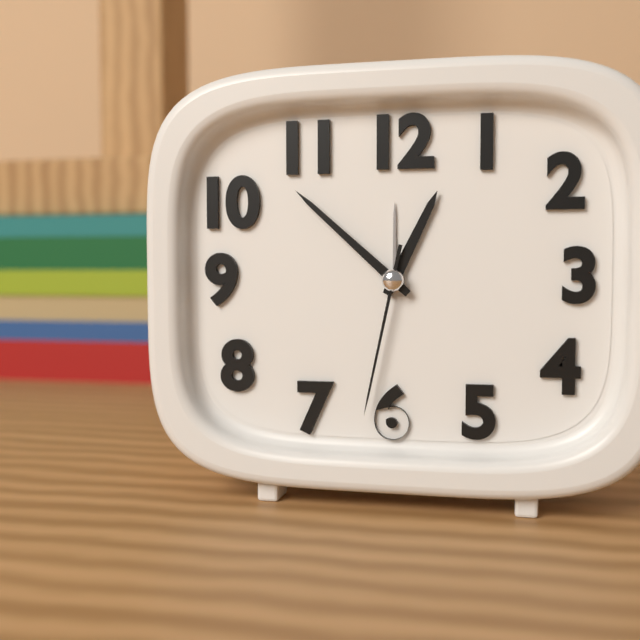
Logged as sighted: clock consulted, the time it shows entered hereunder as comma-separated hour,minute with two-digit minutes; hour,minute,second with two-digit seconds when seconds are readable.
12,52,32
